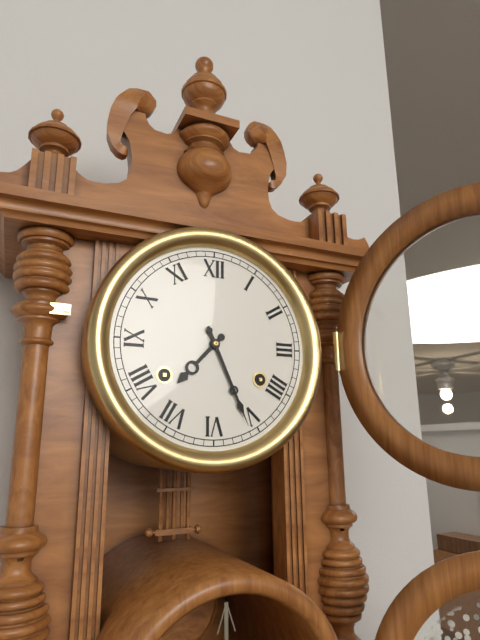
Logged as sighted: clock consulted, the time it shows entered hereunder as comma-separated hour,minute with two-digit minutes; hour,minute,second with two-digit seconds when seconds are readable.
7,26
